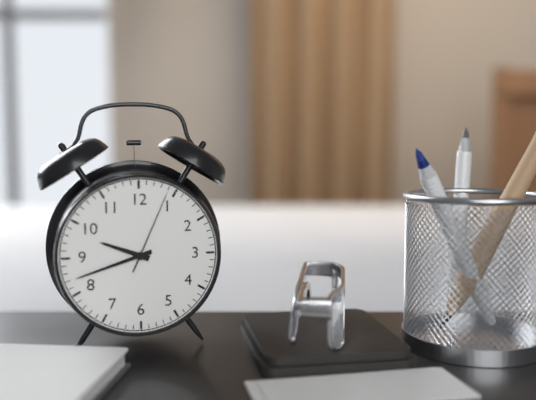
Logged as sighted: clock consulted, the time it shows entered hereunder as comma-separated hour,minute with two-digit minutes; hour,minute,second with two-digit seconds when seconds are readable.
9,42,04
